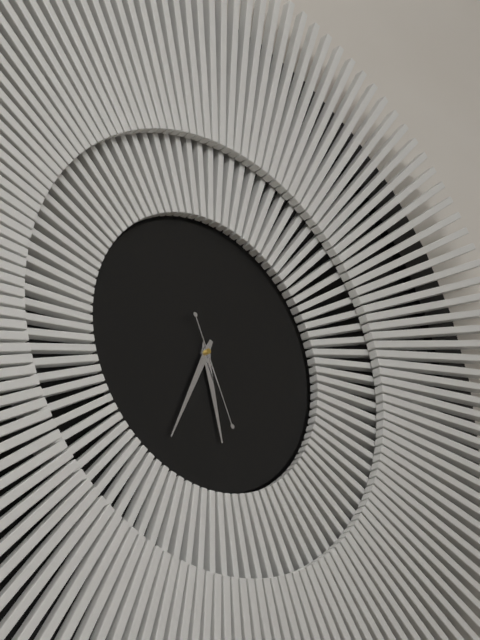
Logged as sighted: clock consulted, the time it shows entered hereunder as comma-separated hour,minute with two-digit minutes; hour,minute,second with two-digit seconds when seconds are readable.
5,34,26
